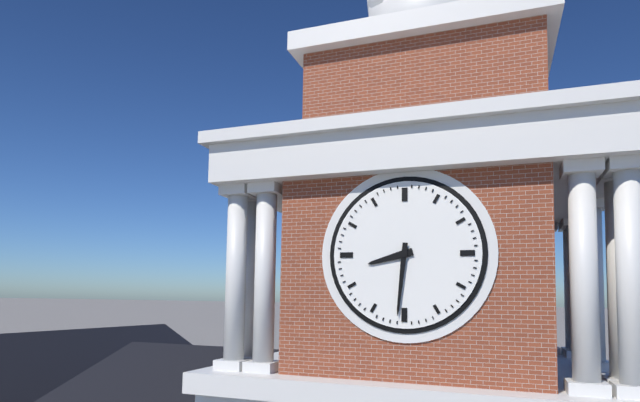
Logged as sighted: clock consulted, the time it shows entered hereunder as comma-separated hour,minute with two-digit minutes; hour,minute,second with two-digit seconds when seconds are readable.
8,31
